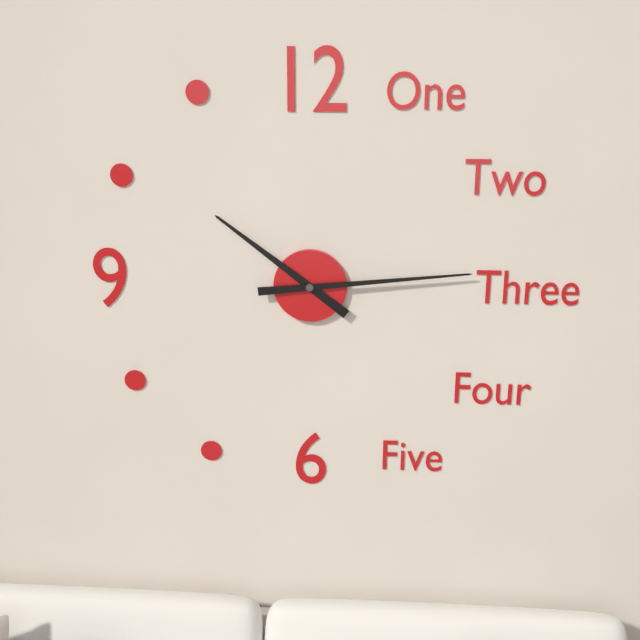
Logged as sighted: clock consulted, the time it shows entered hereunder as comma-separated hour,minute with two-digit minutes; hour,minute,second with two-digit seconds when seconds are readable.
10,14
